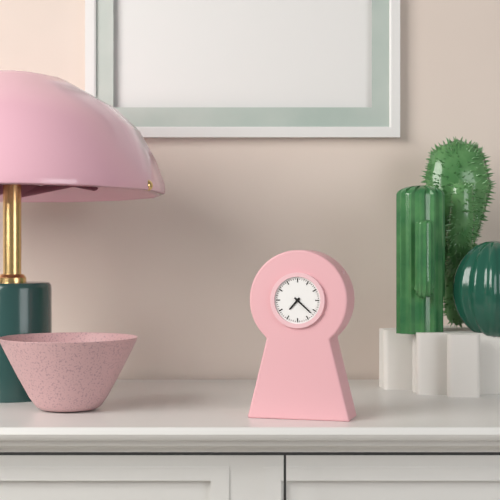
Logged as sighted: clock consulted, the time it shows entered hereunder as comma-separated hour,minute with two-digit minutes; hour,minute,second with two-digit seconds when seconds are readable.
7,22
